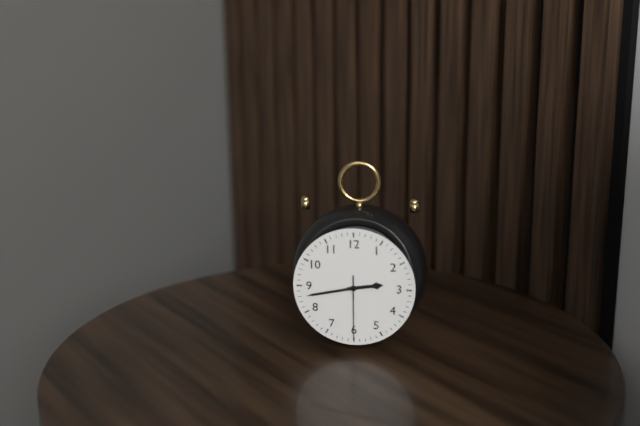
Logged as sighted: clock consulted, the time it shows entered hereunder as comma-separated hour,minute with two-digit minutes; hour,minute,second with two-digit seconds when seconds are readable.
2,43,30
